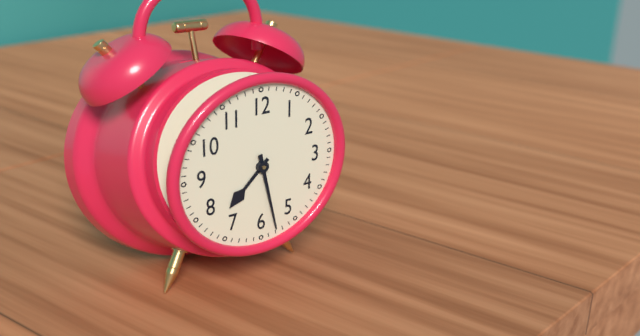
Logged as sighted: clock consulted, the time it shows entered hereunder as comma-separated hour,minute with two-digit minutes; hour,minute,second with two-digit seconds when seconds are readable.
7,28
